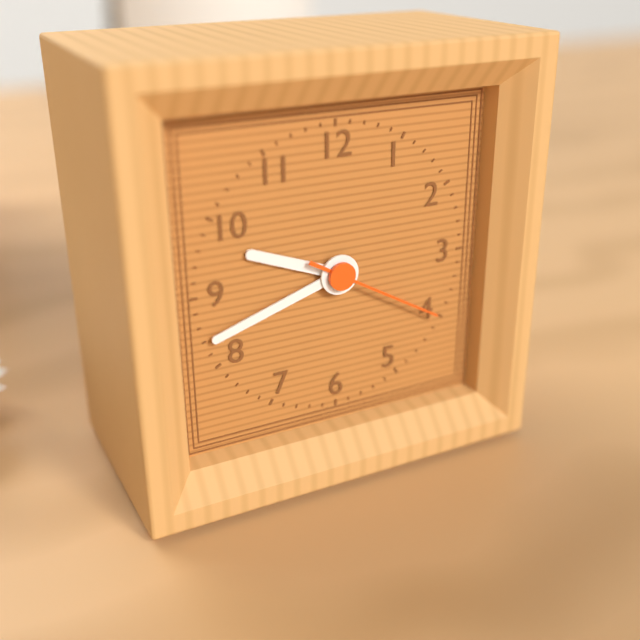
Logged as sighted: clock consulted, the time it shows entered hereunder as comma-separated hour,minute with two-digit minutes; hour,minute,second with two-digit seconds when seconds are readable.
9,42,20
